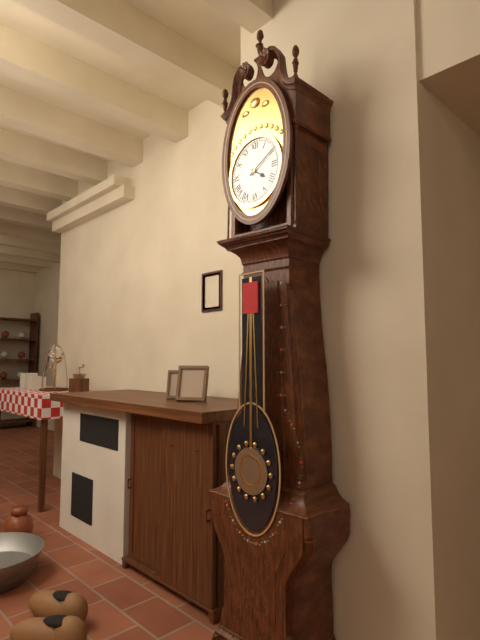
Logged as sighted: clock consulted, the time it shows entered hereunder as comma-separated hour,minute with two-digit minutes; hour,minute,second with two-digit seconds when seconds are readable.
4,10
